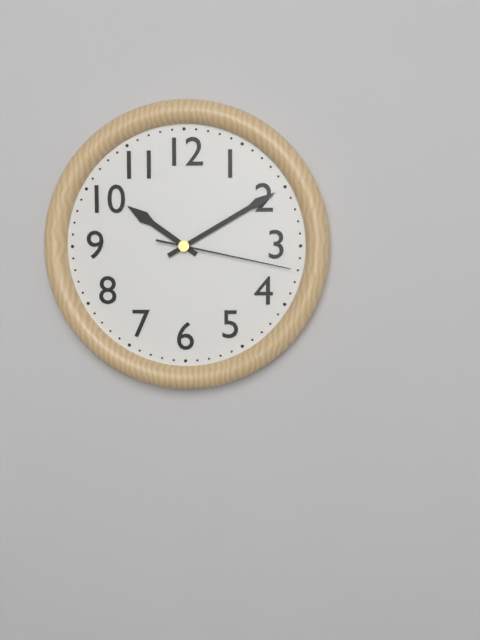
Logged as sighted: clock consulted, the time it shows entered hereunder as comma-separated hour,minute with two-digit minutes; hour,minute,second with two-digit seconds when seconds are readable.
10,10,17
